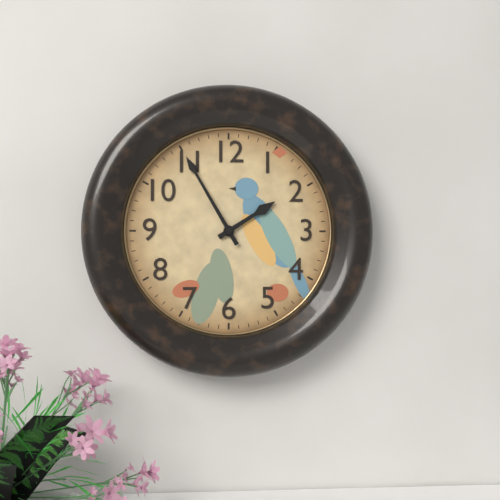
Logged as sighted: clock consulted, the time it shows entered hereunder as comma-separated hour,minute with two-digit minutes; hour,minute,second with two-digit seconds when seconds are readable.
1,55
